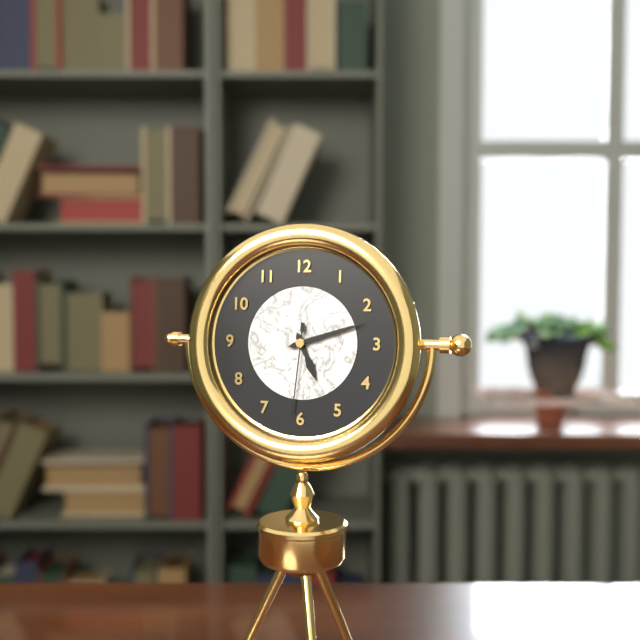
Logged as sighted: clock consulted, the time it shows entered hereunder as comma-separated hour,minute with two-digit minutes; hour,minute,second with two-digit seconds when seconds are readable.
5,12,31
